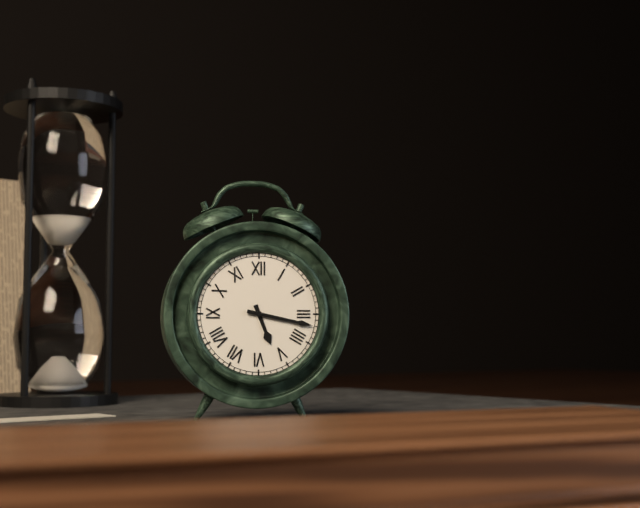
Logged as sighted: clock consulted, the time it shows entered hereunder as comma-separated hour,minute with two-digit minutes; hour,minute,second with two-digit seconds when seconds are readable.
5,17
